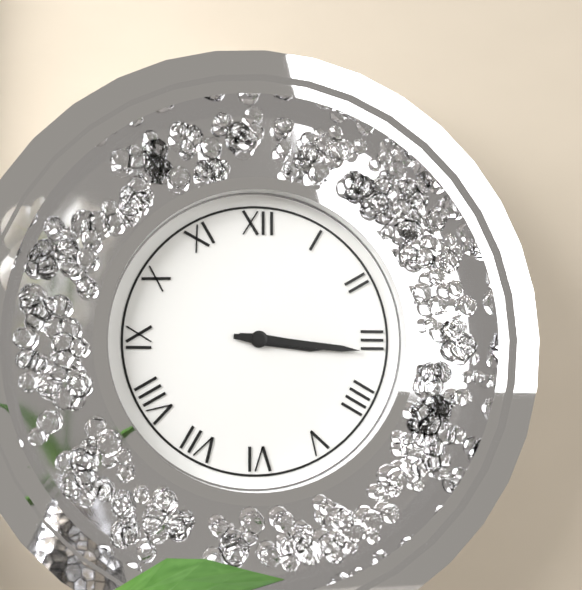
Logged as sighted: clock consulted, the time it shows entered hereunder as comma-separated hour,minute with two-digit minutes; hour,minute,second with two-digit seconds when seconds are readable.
3,16
